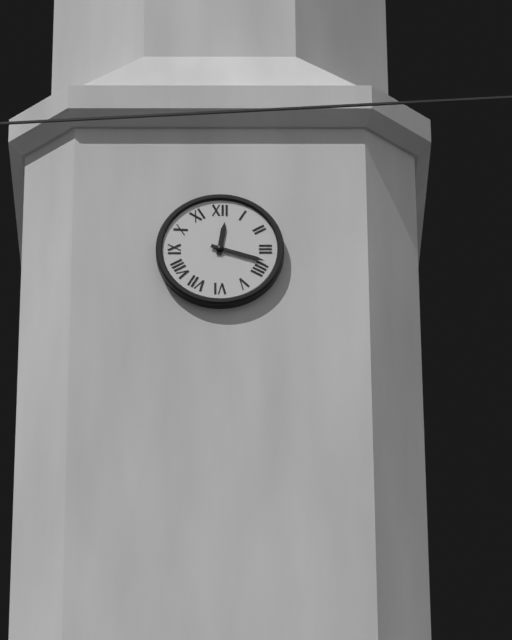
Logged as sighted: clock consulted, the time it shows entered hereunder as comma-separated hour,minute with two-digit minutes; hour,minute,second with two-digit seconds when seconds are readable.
12,18
